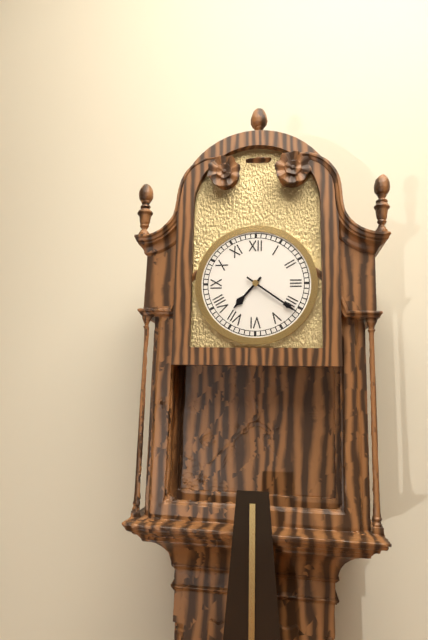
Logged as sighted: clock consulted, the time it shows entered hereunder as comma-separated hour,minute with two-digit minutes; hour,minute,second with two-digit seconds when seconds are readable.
7,21
